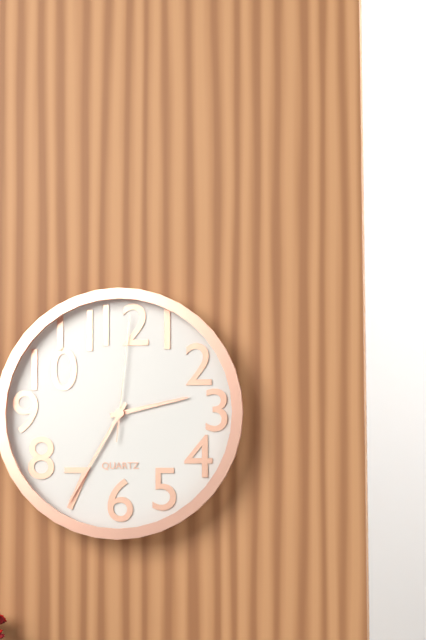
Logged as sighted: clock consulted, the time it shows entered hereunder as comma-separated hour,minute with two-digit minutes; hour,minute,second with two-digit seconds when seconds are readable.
2,35,01
